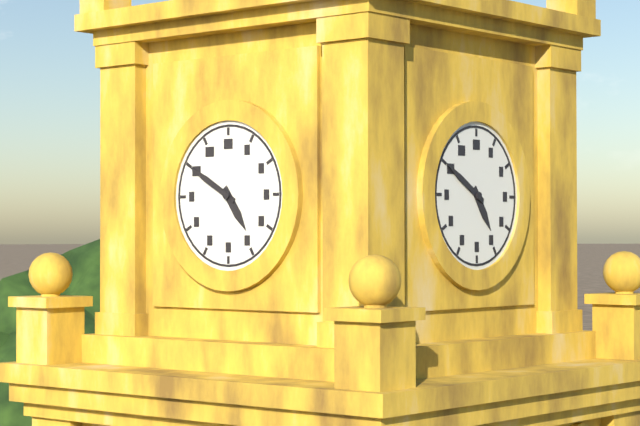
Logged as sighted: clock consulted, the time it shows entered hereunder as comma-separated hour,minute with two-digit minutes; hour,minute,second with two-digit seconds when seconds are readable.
4,50
